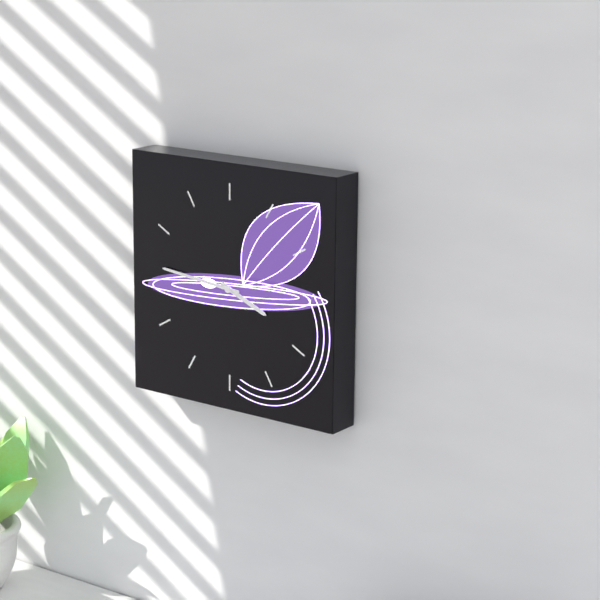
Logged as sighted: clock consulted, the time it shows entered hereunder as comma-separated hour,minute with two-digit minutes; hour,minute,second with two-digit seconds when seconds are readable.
3,46
